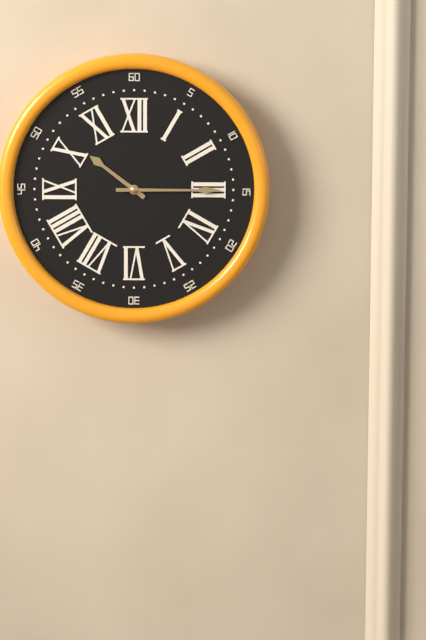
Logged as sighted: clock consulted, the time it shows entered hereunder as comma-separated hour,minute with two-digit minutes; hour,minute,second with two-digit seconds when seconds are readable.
10,15
